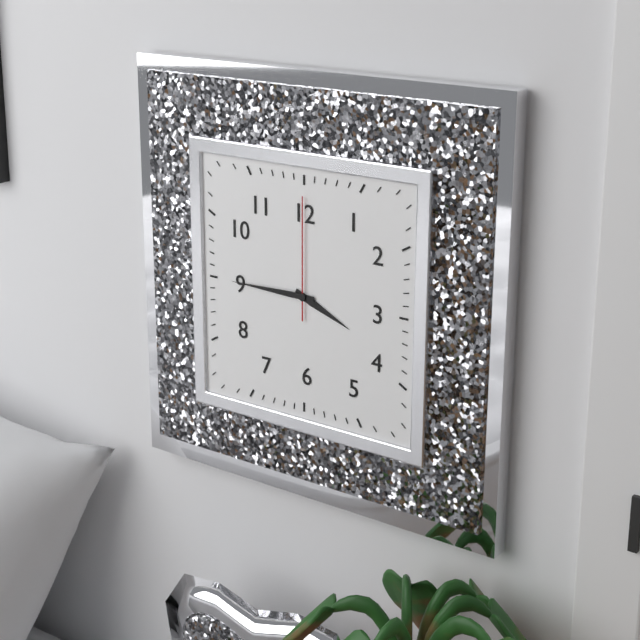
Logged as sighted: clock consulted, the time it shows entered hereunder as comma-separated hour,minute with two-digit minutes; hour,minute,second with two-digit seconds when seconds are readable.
3,45,00
